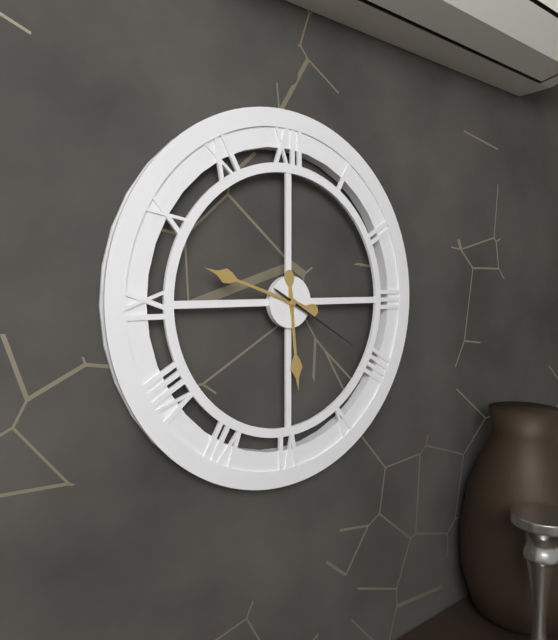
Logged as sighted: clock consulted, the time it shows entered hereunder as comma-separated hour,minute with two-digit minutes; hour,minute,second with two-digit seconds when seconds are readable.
5,48,20
